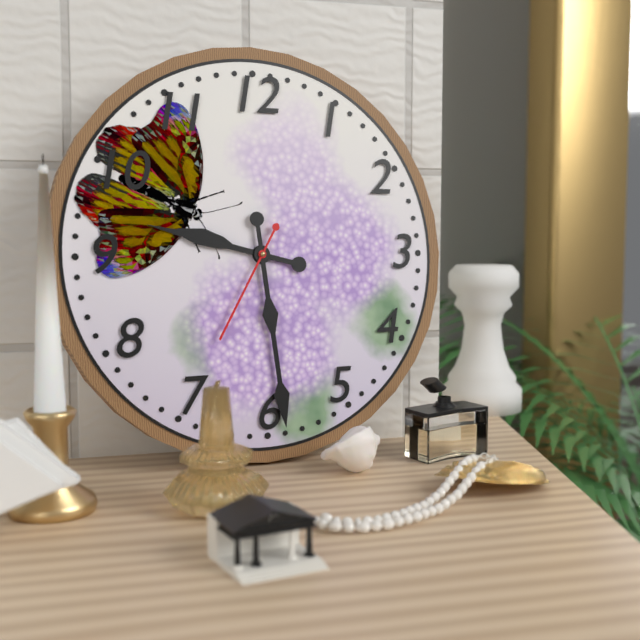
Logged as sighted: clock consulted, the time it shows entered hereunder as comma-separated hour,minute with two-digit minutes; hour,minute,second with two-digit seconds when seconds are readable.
9,29,35
